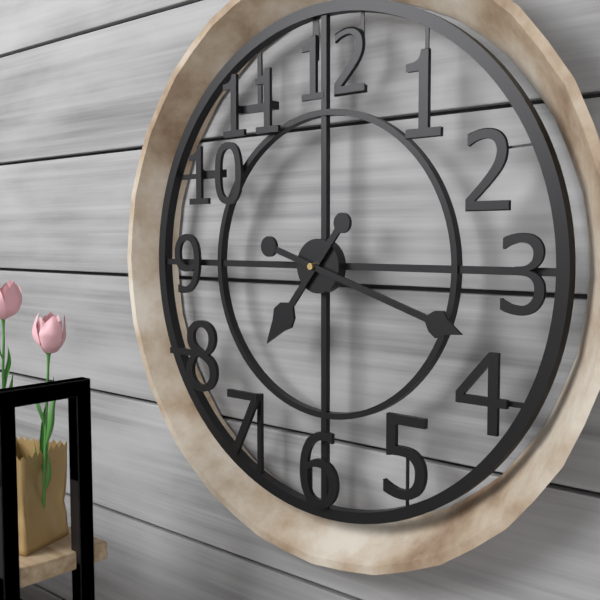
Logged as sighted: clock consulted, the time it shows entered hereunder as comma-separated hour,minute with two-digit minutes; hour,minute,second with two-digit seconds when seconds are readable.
7,18
